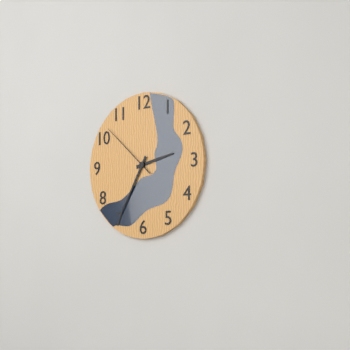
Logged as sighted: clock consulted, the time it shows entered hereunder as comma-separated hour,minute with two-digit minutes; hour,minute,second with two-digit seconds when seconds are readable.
2,35,52
